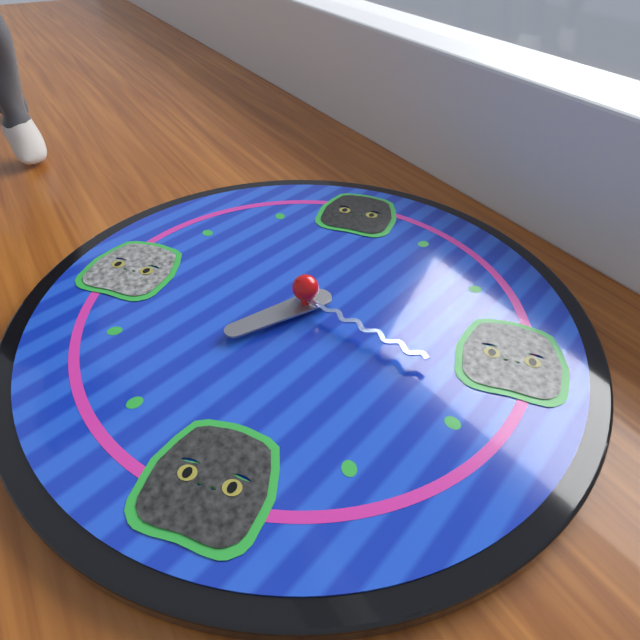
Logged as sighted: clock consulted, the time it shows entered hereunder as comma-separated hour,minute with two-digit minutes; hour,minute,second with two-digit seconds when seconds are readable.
7,18
